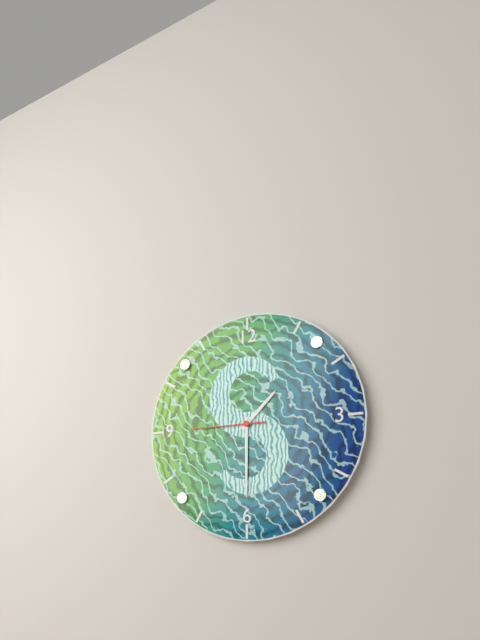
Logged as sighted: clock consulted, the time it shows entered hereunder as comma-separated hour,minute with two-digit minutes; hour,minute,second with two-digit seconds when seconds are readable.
1,30,45
